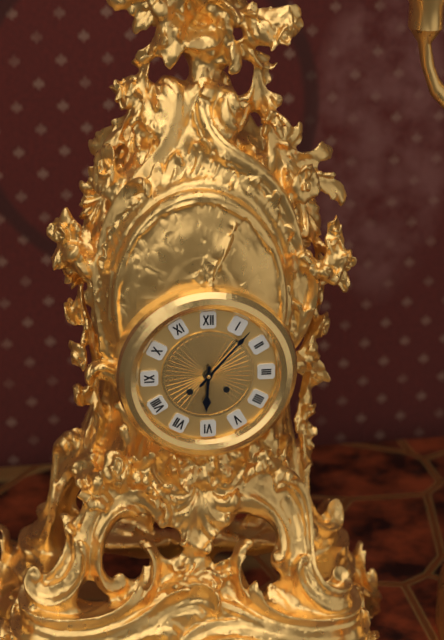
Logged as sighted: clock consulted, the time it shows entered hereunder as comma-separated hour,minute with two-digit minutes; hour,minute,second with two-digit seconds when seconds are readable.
6,07
